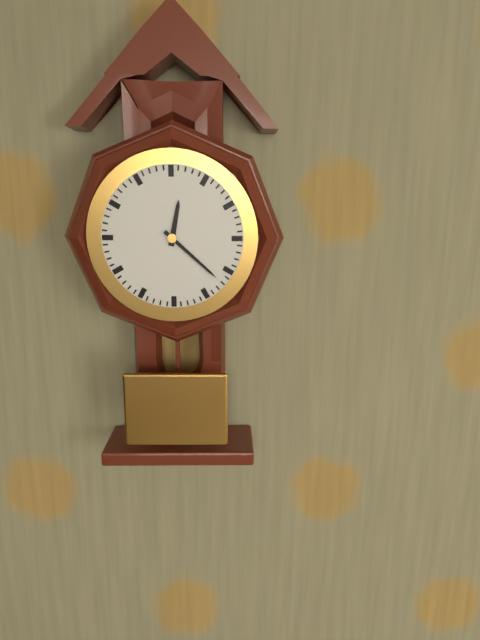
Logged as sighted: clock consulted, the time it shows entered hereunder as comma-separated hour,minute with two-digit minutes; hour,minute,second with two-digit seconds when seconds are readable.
12,22
